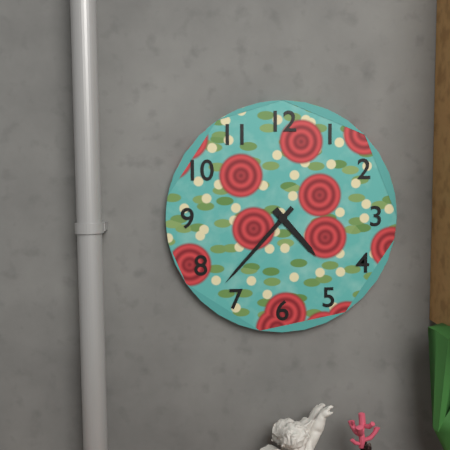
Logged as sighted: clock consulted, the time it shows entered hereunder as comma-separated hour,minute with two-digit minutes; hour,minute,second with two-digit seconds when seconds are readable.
4,37
